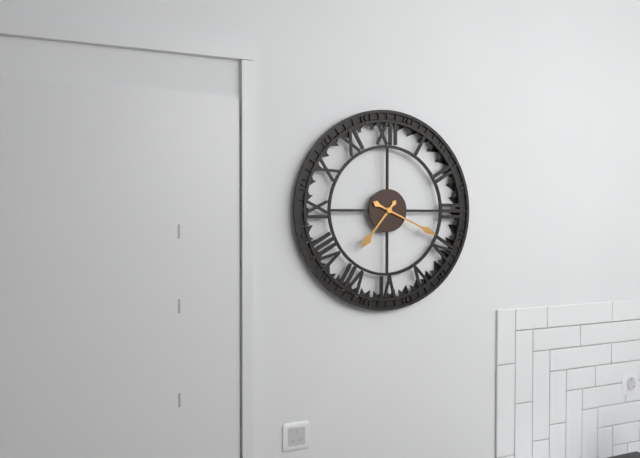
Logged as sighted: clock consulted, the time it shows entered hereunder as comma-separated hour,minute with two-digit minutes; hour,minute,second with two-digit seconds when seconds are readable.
7,19
